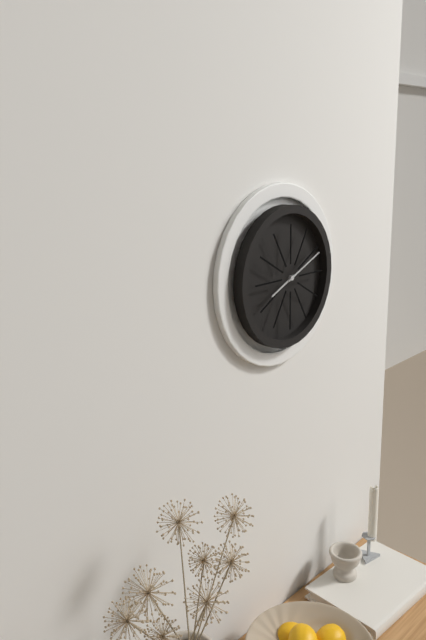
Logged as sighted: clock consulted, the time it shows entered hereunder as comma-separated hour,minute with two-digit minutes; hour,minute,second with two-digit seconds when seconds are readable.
8,11
